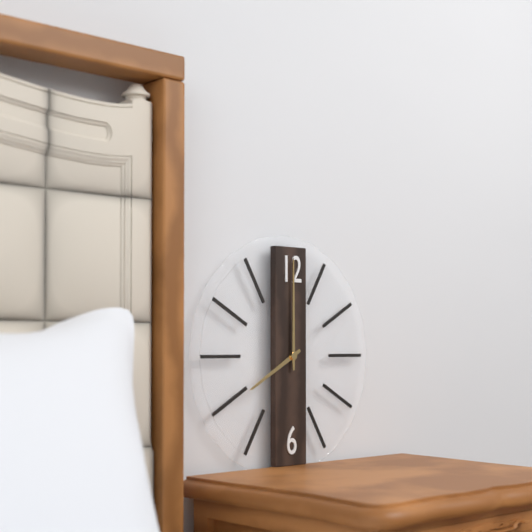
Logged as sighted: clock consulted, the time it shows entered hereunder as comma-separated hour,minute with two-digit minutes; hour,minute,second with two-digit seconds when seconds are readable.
8,00
